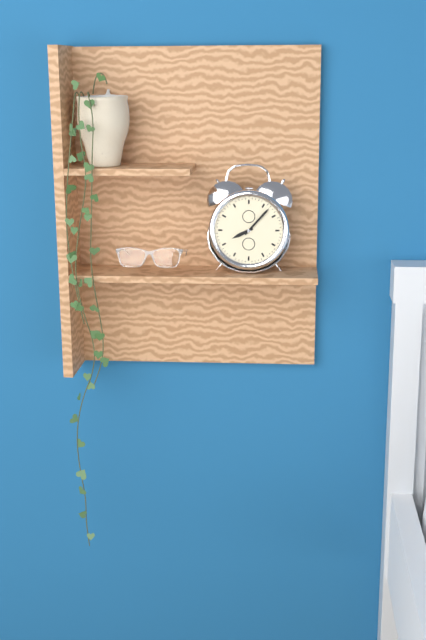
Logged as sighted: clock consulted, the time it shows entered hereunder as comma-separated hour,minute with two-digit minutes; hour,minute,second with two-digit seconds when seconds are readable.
8,07
